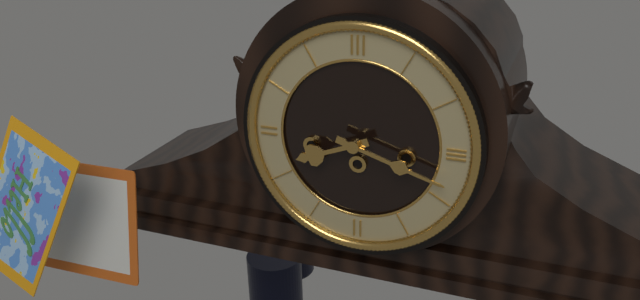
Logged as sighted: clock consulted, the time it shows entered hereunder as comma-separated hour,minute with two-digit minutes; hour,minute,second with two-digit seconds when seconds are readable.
8,18
